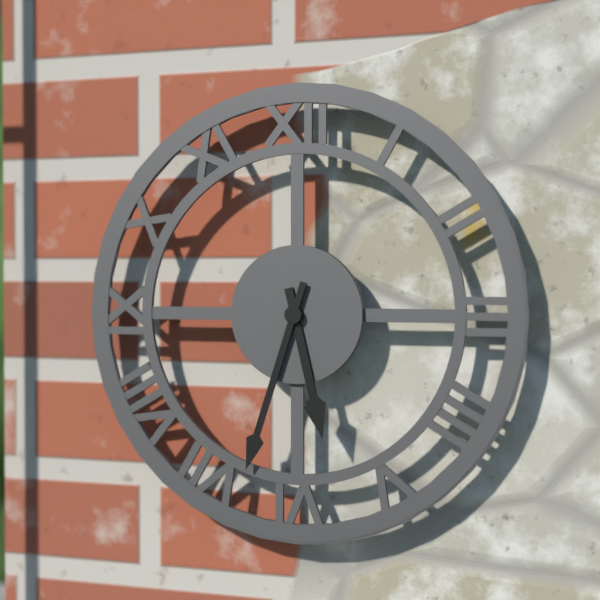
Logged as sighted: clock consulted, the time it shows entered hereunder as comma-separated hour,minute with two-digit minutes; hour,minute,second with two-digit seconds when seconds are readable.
5,33
